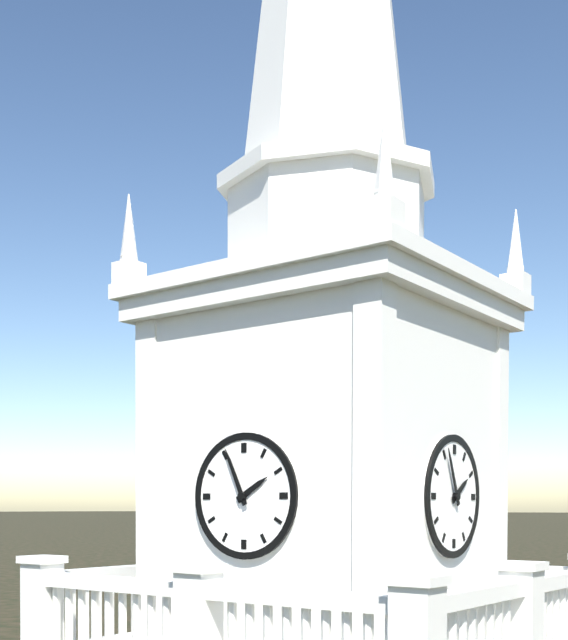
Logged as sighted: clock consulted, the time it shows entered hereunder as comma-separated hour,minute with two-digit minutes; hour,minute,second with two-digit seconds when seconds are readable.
1,56
